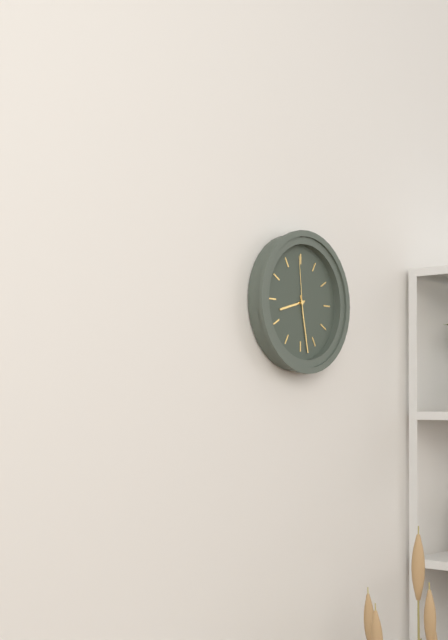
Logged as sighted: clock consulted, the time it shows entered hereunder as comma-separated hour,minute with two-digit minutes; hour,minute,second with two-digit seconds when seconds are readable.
8,28,59
